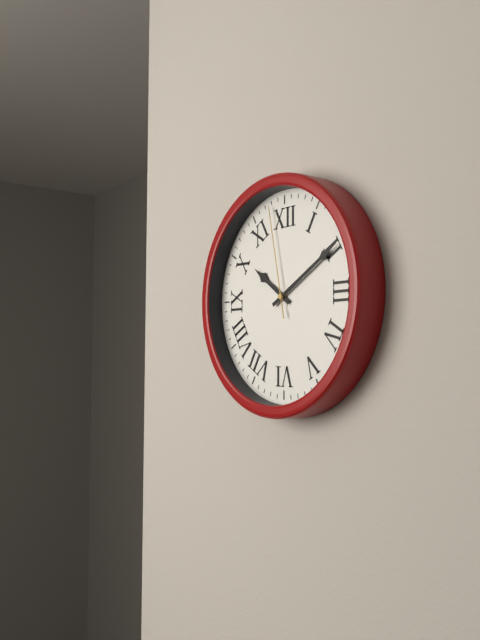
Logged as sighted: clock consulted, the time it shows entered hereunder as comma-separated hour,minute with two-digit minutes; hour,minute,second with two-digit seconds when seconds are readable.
10,10,58
